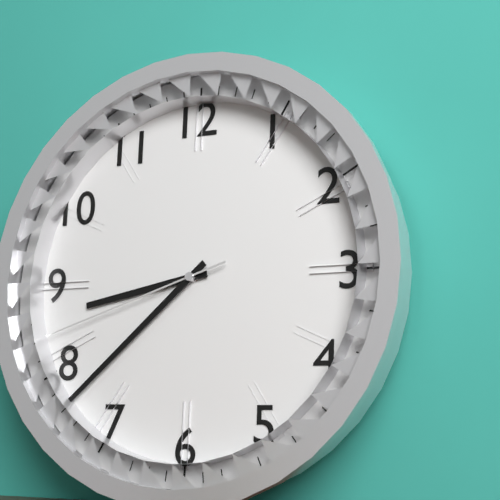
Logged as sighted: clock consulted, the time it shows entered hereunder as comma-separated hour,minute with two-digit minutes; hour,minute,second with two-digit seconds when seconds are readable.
8,38,42
